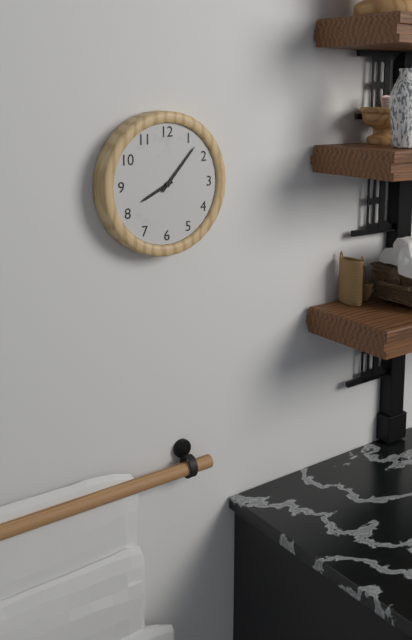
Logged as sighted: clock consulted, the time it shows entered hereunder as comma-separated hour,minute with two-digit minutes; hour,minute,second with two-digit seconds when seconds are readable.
8,07
